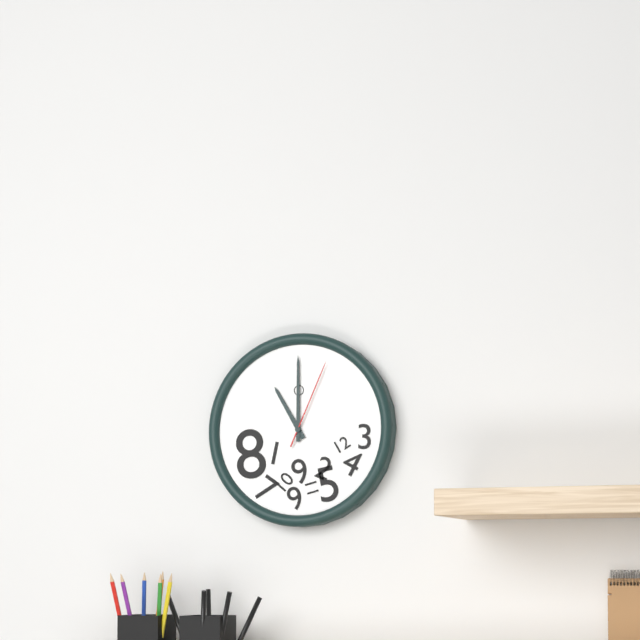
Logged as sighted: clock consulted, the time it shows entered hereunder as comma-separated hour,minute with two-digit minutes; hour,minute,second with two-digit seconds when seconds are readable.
11,00,04
